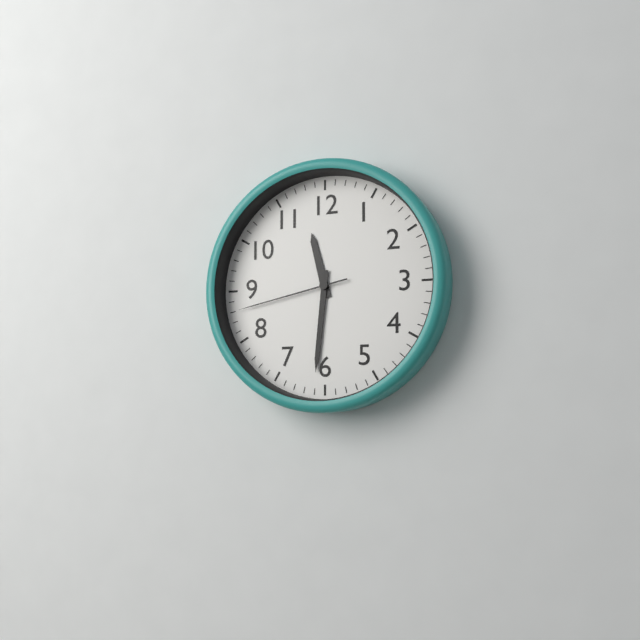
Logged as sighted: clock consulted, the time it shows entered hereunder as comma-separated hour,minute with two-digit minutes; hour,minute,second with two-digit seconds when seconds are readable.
11,31,43
